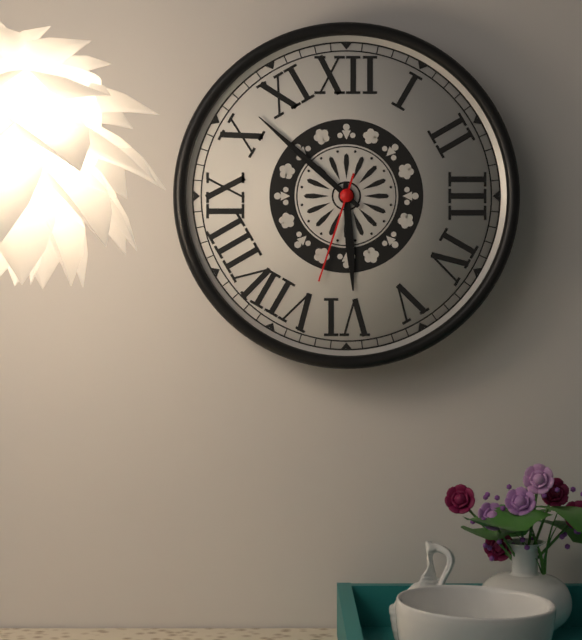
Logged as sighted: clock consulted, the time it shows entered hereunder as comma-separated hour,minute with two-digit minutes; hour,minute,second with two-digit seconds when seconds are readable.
5,52,33
